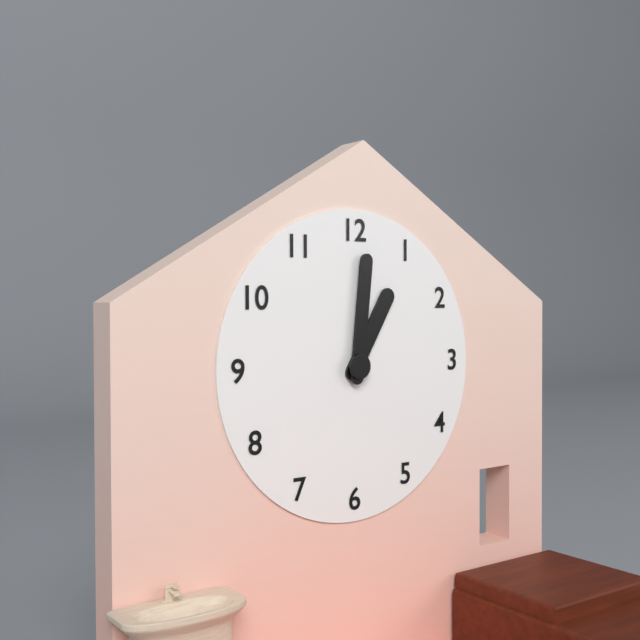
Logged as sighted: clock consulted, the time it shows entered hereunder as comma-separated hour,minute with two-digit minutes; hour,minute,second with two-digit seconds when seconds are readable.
1,01
